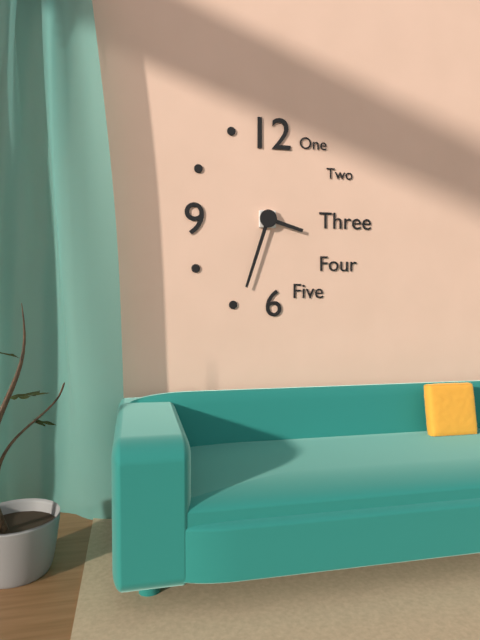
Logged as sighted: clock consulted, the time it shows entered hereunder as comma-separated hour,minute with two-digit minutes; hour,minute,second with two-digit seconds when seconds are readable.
3,33
